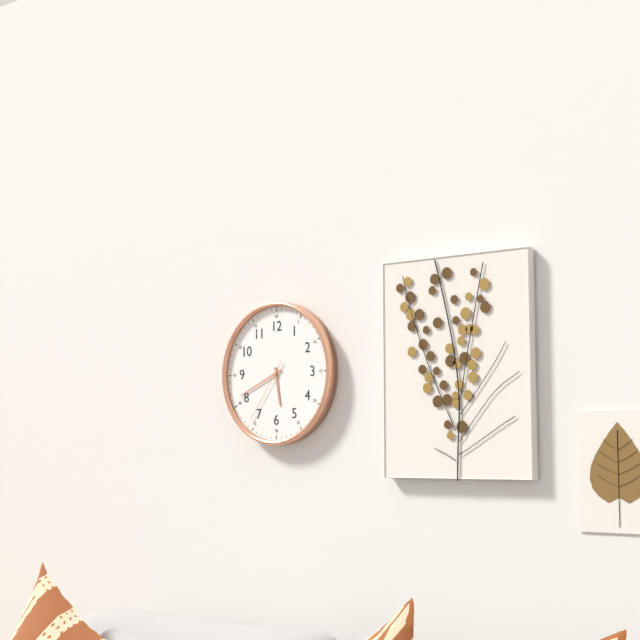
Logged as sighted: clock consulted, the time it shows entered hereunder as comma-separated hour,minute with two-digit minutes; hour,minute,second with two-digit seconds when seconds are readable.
5,41,36
